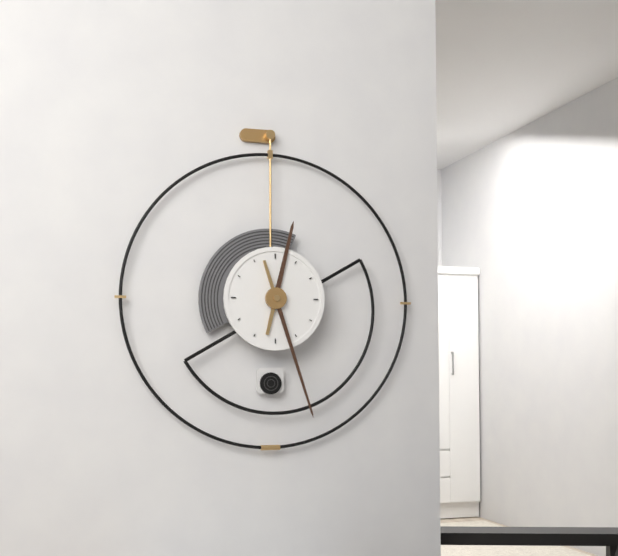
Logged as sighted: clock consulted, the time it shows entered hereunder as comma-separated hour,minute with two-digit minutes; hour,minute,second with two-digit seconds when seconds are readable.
12,27
